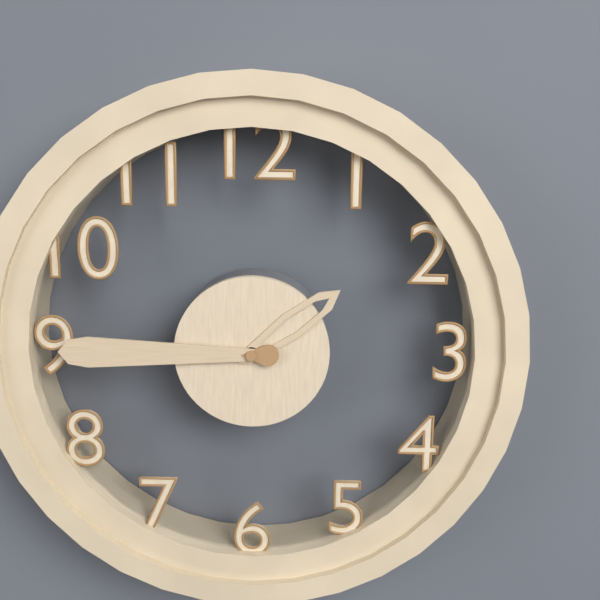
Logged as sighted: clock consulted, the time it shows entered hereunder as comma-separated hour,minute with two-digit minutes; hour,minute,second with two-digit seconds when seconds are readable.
1,45
